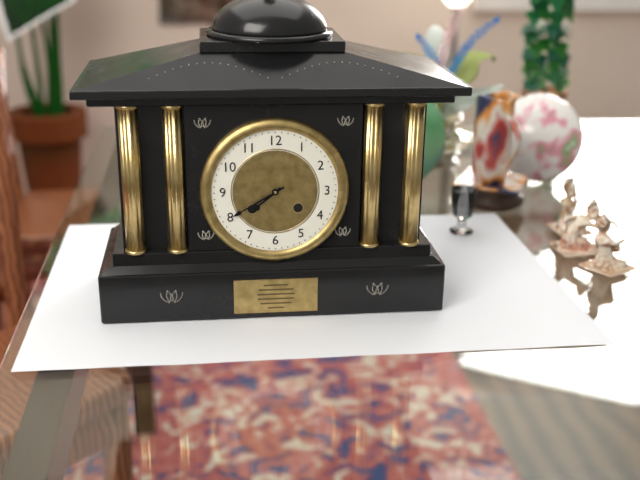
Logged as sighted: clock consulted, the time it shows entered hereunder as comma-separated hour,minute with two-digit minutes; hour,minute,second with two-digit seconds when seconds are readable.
7,40
